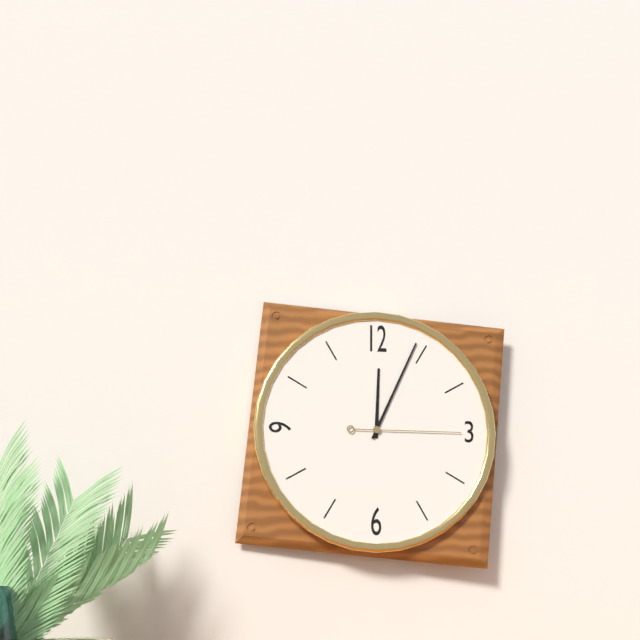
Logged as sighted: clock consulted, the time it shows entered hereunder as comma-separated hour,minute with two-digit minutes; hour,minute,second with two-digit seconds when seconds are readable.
12,04,15
